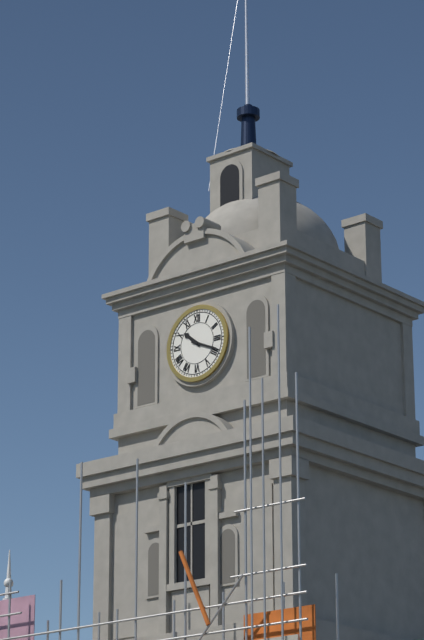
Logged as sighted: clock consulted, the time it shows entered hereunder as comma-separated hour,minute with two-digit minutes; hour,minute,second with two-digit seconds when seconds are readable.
10,19
